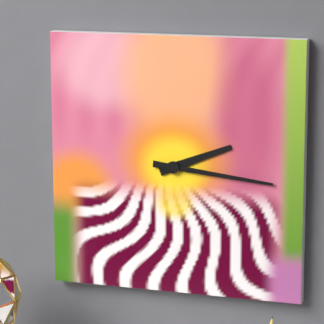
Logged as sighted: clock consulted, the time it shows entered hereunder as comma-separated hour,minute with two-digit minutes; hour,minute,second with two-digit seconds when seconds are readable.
2,16
